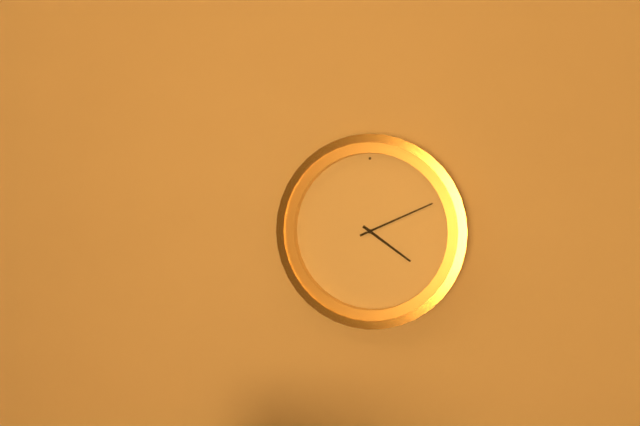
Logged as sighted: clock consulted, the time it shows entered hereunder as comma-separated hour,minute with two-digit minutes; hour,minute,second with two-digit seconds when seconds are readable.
4,11
